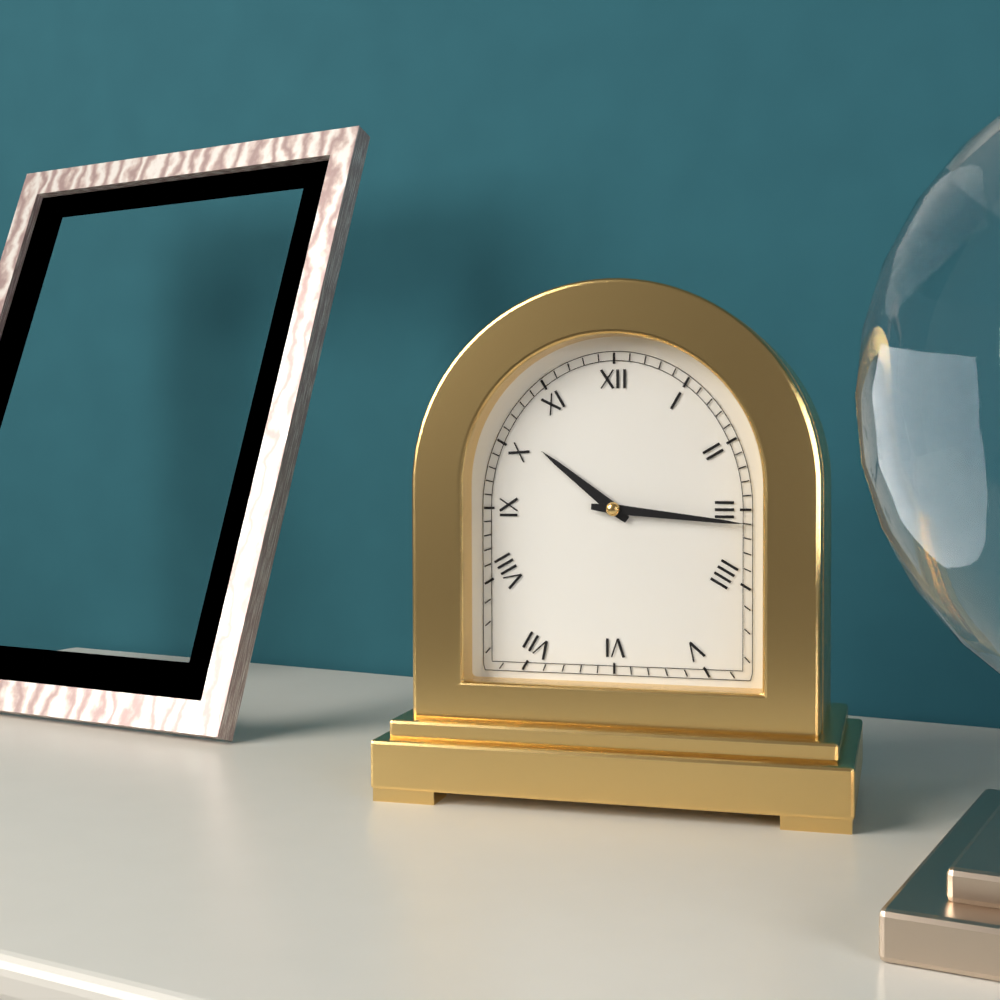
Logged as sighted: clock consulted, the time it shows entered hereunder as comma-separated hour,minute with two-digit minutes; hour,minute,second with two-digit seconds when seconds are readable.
10,16
